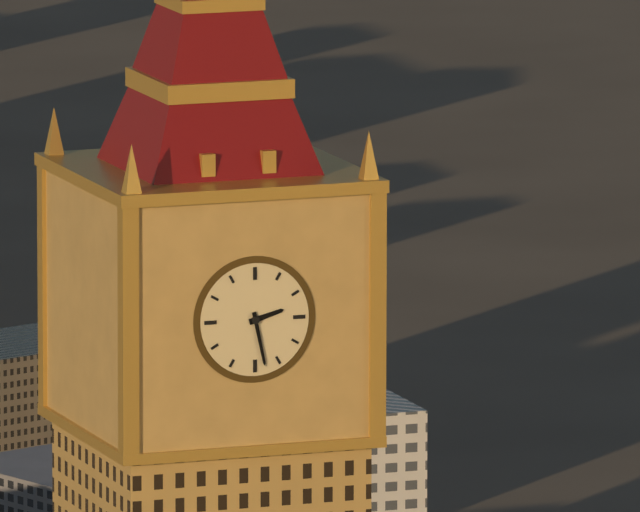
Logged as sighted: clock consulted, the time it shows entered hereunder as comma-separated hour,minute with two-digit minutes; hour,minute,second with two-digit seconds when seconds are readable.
2,28
